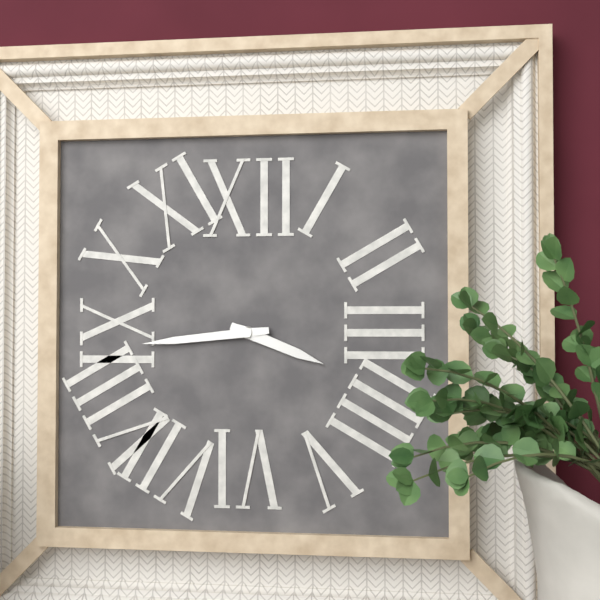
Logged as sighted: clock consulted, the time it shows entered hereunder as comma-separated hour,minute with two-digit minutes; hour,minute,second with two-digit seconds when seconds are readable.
3,44
